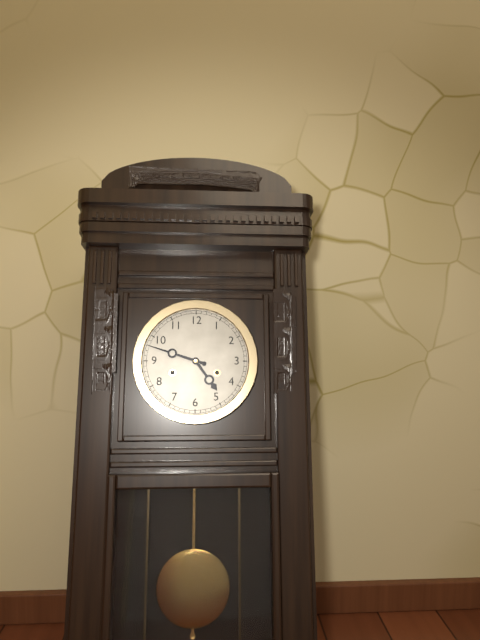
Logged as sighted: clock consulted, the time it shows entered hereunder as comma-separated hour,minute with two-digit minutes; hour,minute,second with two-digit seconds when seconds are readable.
4,48
